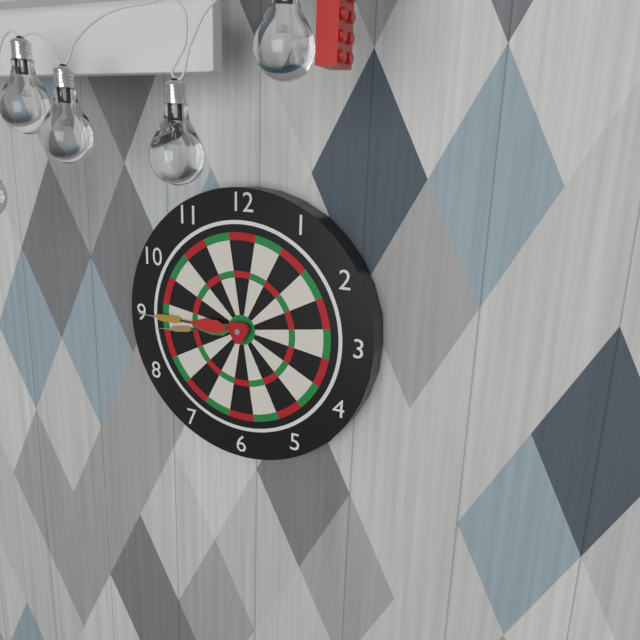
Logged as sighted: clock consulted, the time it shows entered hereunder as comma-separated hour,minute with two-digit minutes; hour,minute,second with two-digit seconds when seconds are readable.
8,45
